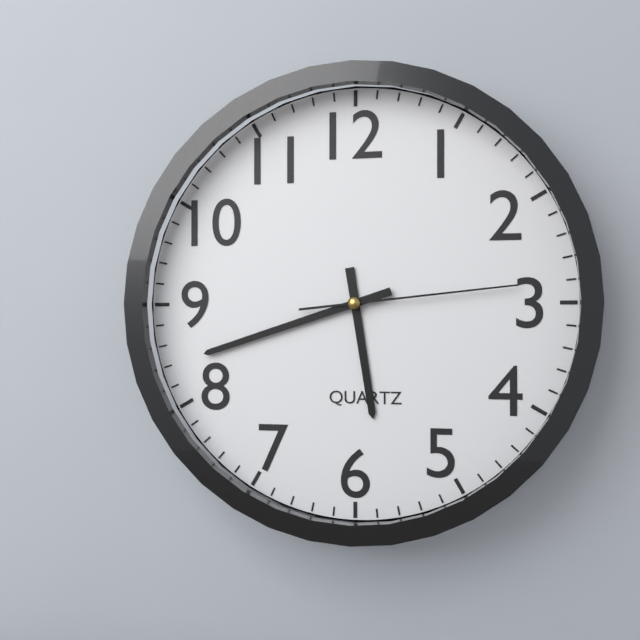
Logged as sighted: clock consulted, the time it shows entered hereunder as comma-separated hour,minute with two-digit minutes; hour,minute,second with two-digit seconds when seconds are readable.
5,42,14
